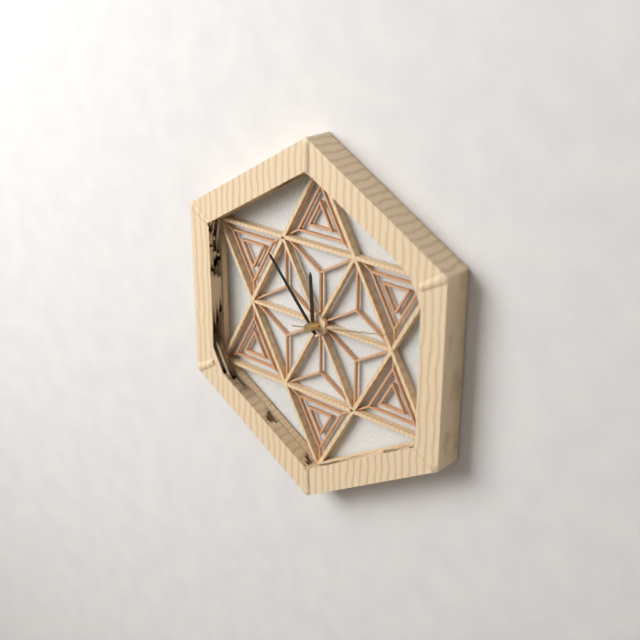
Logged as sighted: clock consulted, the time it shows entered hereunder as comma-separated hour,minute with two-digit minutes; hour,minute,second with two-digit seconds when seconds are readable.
11,53,13
